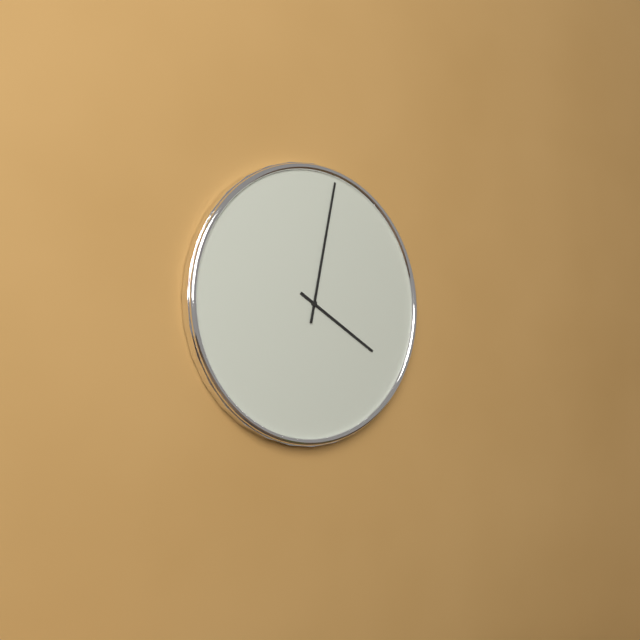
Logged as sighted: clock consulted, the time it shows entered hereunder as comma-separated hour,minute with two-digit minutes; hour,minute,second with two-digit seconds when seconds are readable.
4,02
